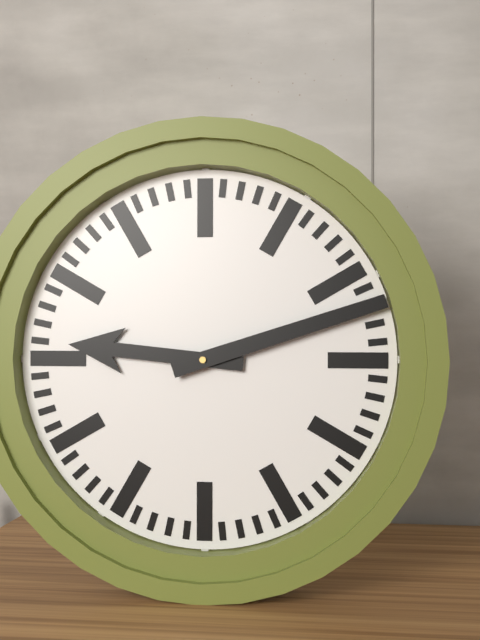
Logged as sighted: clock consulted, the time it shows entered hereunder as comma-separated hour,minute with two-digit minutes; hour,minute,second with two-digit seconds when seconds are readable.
9,12
